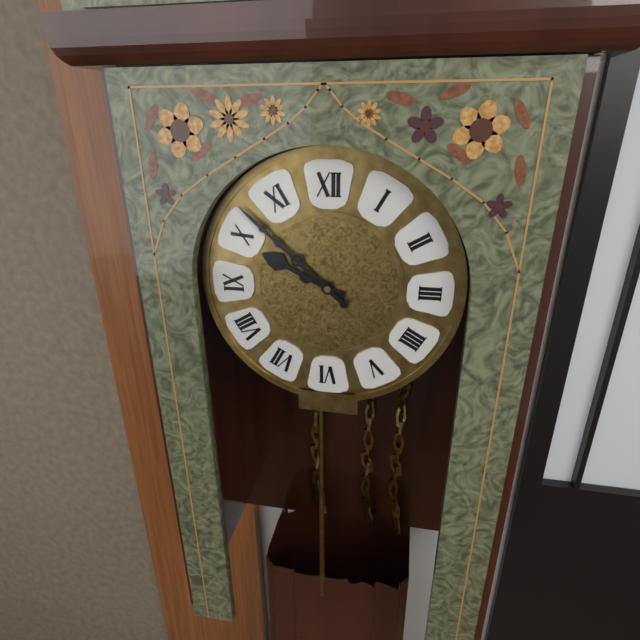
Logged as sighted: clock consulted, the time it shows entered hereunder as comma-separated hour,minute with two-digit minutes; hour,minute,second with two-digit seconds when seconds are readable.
9,52
